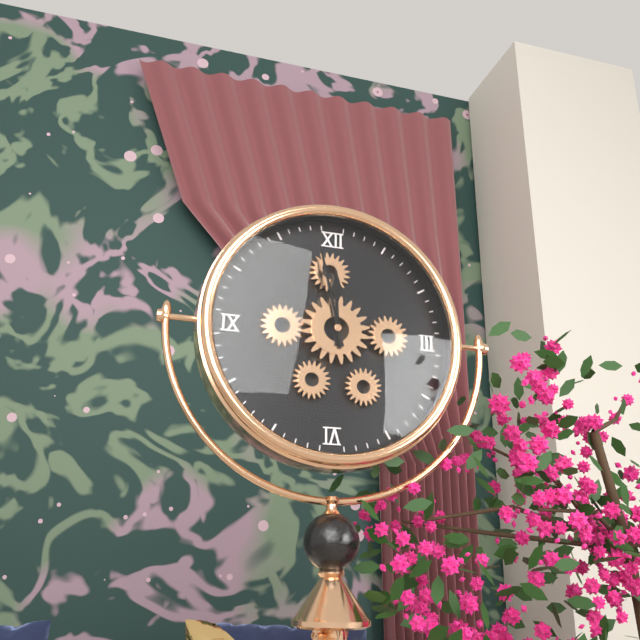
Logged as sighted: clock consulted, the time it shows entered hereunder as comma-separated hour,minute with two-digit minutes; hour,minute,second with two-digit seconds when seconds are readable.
11,58
